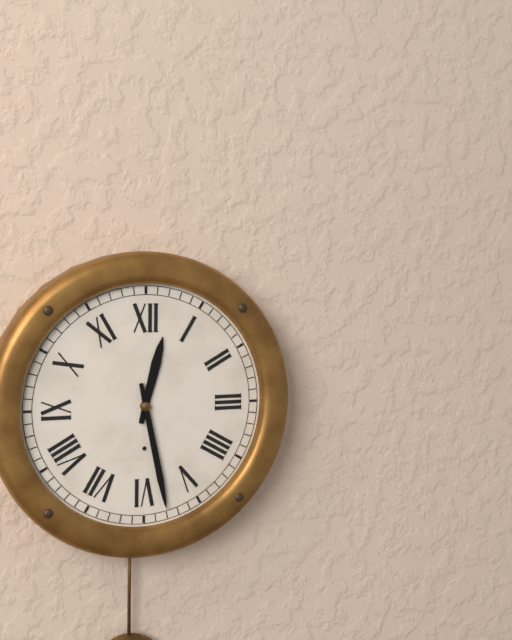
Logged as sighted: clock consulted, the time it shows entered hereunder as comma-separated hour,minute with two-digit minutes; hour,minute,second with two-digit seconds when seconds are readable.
12,28
